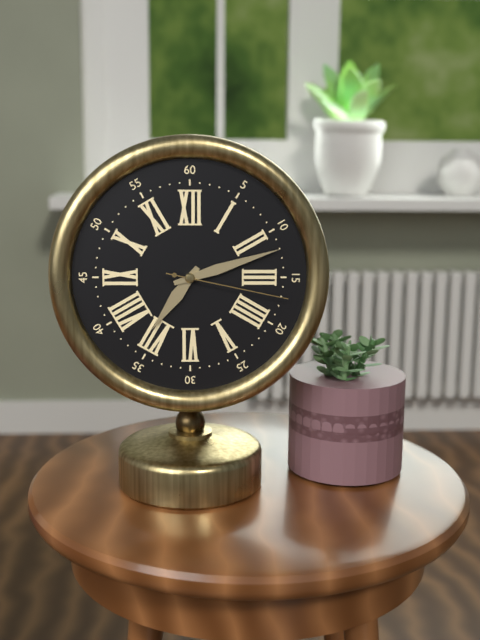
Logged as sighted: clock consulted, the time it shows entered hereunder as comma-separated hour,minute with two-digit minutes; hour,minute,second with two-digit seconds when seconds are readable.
7,12,17
